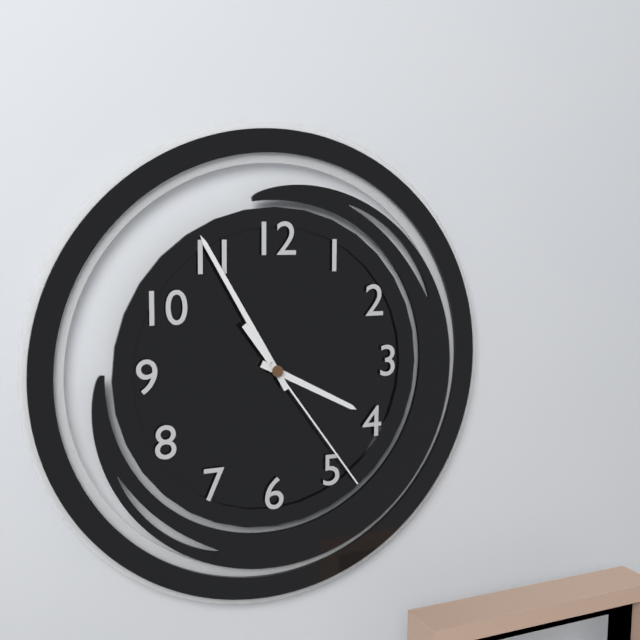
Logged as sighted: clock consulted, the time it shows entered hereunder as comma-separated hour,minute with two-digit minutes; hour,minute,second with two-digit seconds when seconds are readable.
3,55,24
